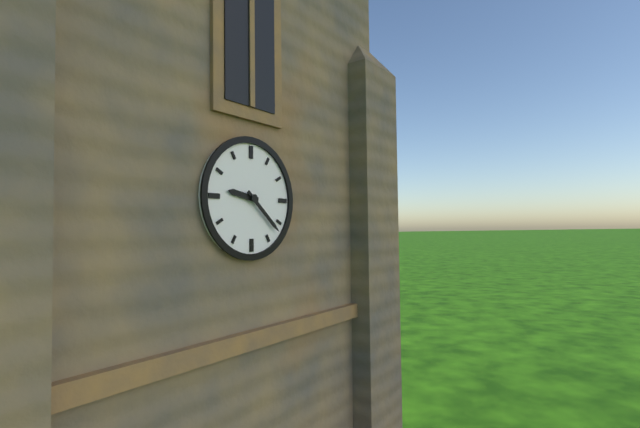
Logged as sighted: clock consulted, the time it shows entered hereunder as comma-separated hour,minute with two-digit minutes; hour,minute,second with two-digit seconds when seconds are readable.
9,22
